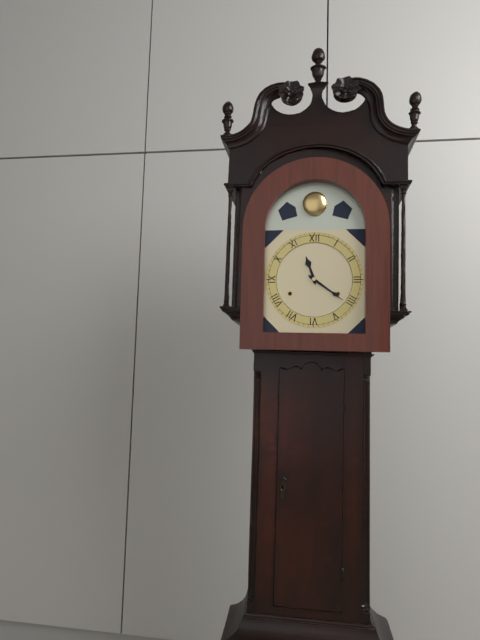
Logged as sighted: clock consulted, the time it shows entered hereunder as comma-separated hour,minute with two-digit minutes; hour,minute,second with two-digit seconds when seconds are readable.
11,21
